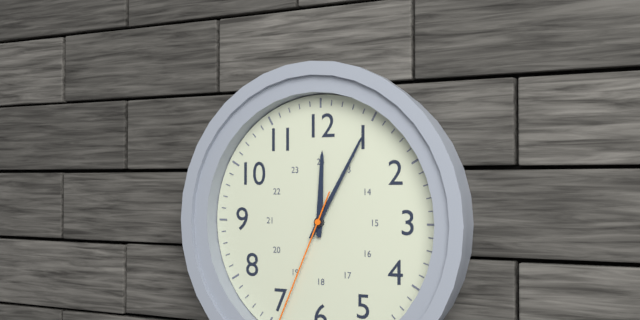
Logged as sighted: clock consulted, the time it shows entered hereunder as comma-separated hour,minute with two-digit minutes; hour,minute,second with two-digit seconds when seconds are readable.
12,05
